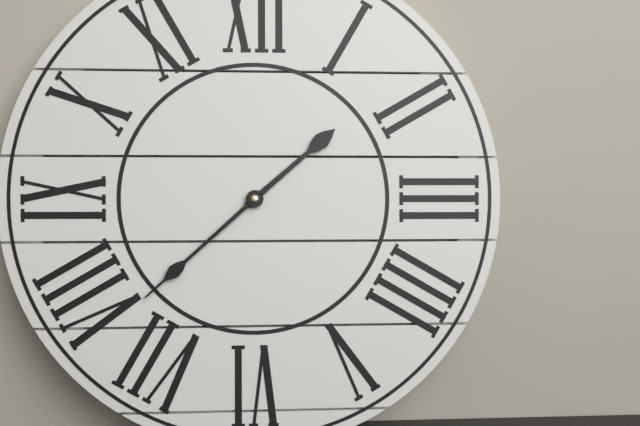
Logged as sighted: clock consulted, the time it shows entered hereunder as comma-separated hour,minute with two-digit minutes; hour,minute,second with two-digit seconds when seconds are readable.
1,38
